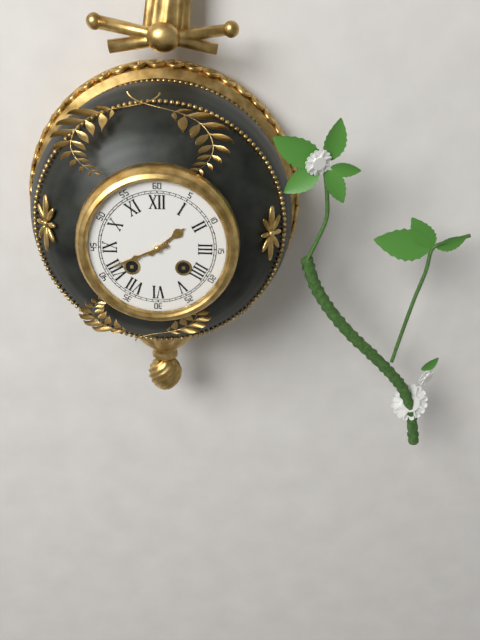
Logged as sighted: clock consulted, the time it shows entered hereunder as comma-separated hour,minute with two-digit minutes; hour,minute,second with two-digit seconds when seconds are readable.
1,41
